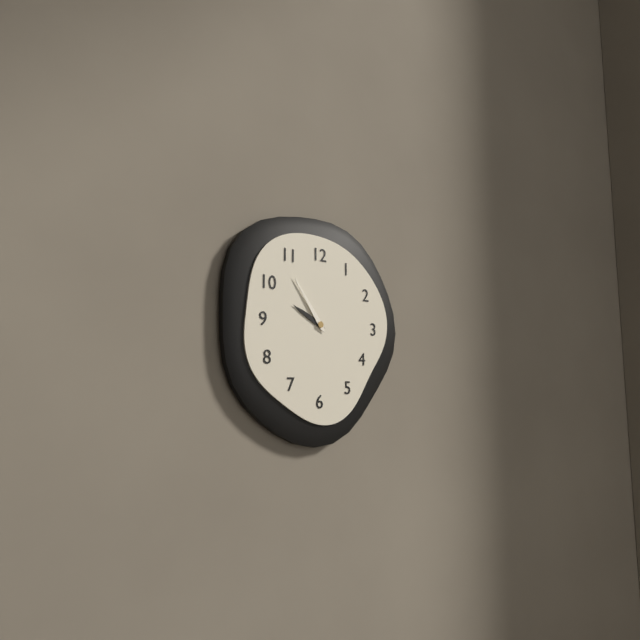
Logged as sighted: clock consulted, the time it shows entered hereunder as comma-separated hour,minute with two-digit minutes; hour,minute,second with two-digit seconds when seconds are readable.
9,54
